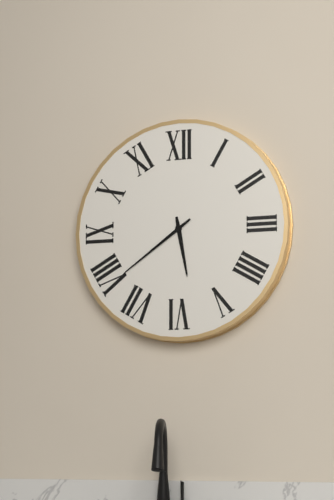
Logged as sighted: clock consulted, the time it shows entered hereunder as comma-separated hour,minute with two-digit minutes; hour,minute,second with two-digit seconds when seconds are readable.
5,39
